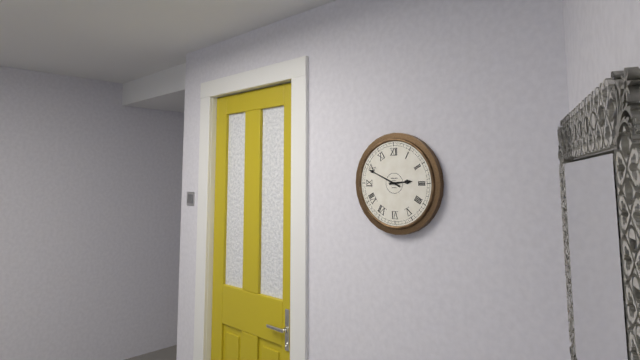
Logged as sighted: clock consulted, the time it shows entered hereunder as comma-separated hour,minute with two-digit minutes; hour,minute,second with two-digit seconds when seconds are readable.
2,49
